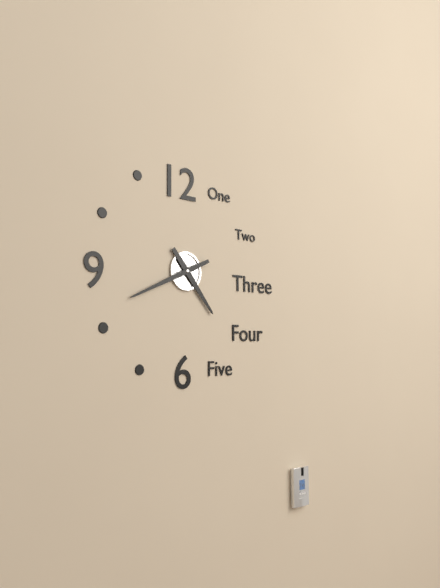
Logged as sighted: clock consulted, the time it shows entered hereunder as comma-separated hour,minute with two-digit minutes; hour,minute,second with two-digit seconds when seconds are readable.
4,41
